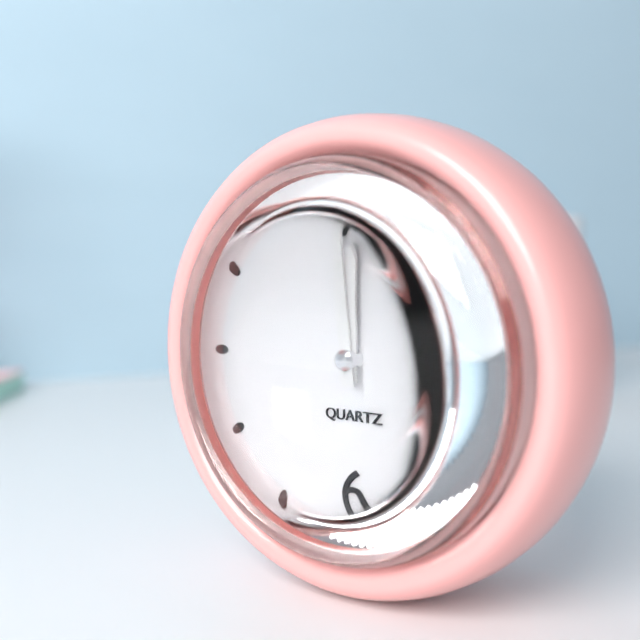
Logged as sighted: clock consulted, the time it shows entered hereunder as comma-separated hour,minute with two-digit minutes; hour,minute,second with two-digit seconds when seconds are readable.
11,59
